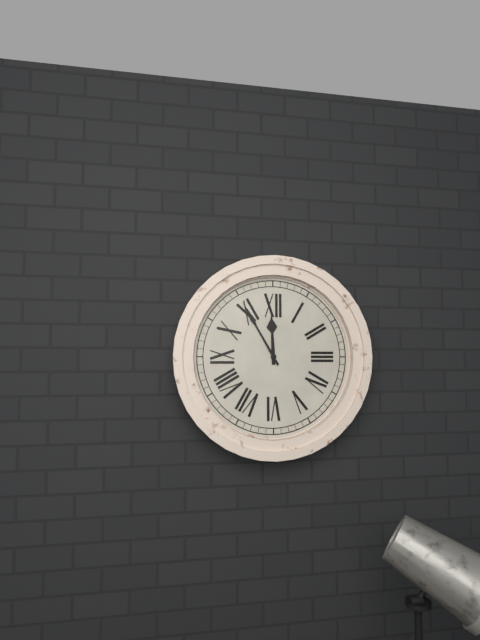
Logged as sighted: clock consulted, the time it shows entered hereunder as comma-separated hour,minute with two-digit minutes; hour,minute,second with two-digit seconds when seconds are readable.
11,55
